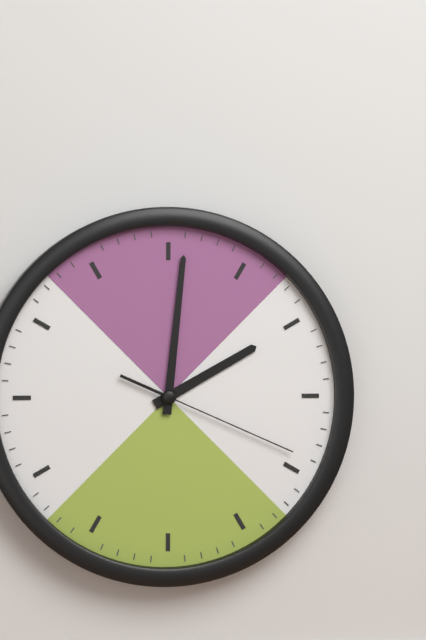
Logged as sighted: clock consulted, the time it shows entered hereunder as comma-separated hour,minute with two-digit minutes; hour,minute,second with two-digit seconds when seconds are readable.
2,01,19
